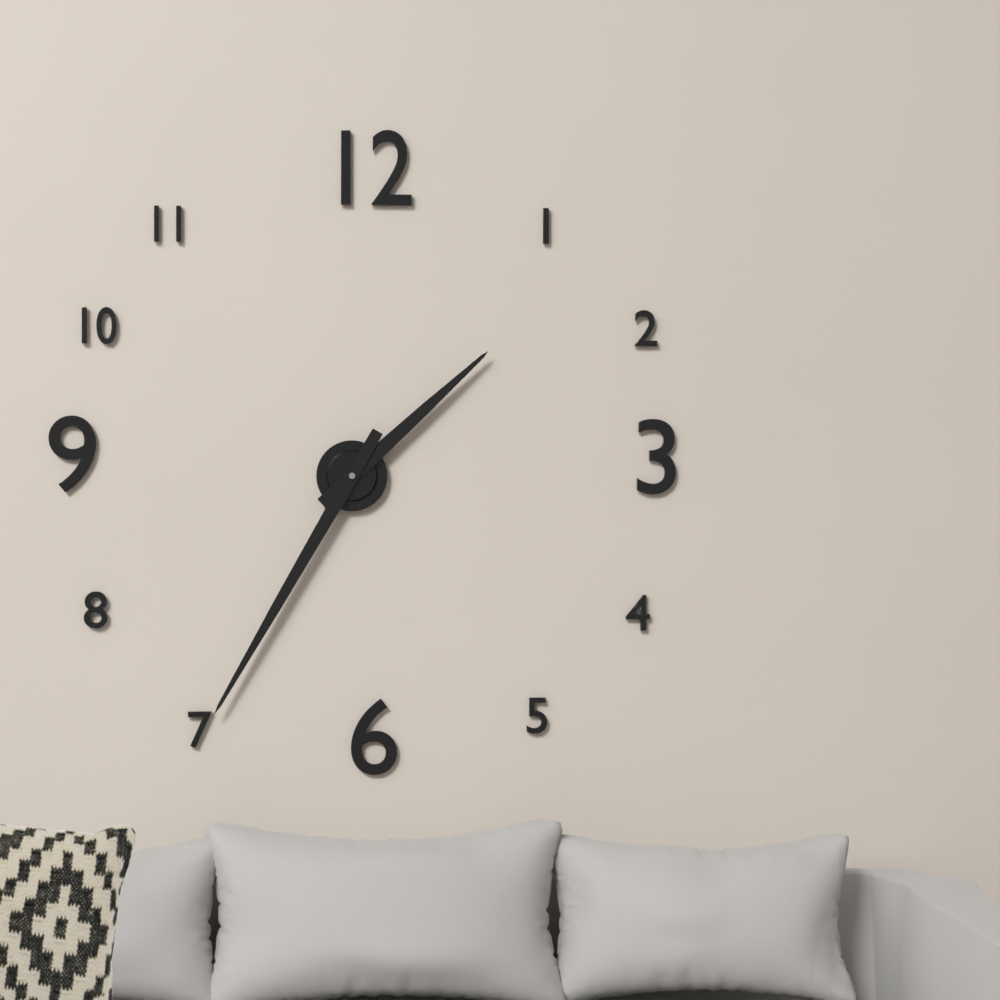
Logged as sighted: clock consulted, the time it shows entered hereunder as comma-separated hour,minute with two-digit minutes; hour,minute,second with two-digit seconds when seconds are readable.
1,35
